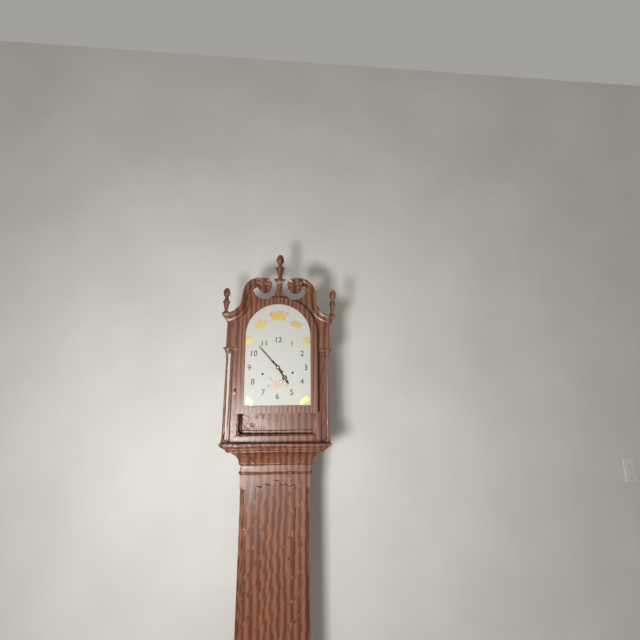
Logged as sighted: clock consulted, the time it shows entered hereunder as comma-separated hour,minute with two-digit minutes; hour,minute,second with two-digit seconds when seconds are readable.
4,53
